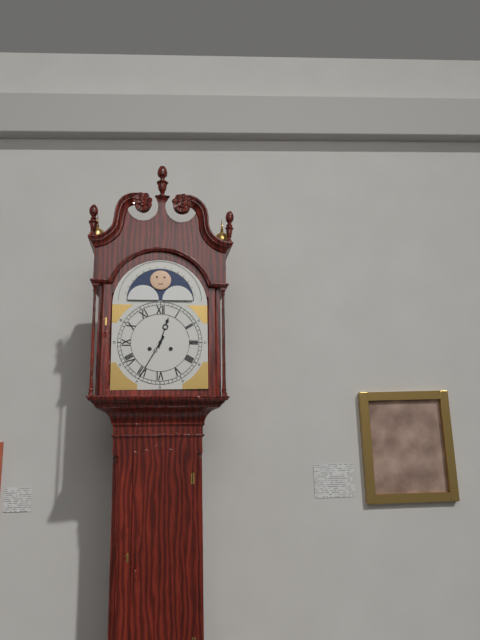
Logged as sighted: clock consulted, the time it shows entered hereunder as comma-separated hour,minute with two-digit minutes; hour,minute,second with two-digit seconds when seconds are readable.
12,35
